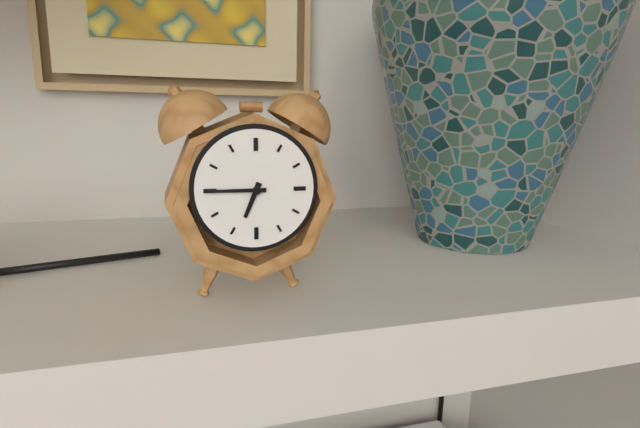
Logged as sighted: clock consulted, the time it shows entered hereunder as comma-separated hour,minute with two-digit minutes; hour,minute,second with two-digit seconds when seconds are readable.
6,45
